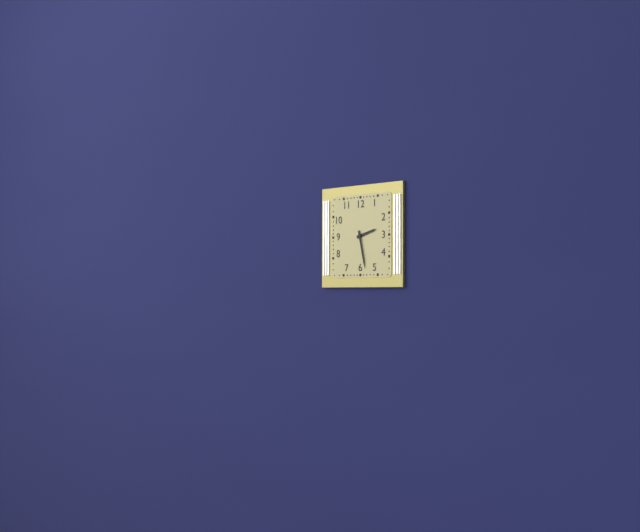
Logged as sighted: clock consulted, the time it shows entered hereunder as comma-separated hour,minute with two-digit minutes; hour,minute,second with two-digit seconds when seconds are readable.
2,28
